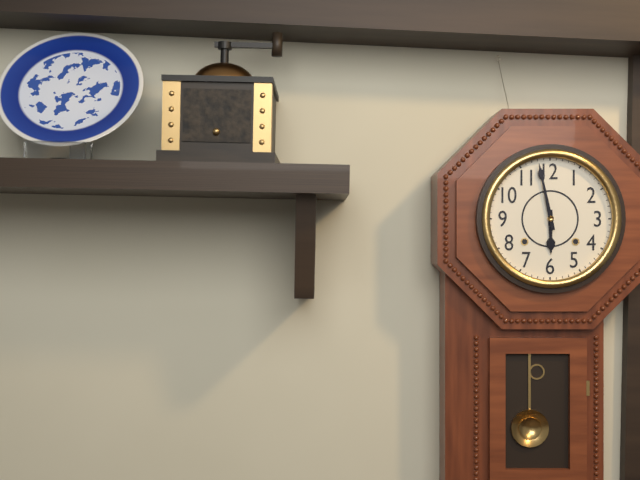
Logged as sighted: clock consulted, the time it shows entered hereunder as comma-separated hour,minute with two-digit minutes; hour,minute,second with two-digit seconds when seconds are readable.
5,58
